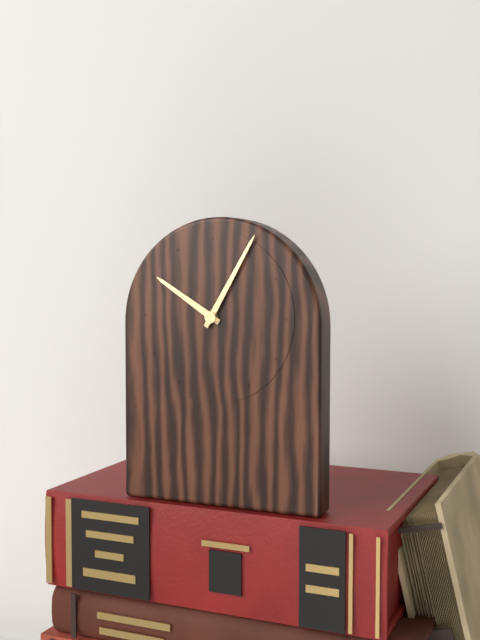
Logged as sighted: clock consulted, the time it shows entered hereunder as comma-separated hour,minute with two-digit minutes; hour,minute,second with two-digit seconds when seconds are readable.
10,05
